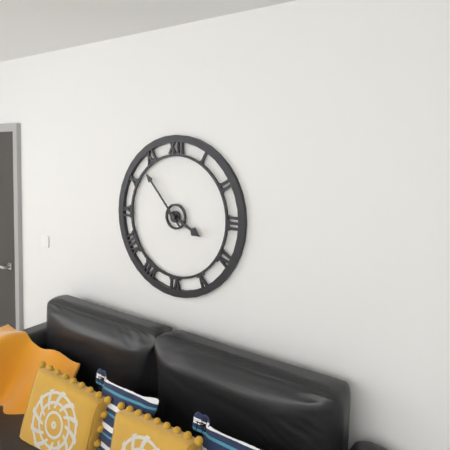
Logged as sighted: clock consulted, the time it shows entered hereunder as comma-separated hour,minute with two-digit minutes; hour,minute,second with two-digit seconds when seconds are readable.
3,53
